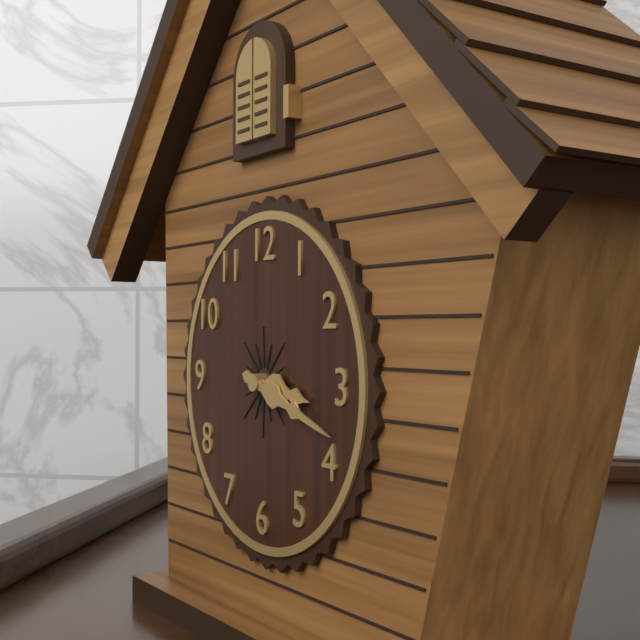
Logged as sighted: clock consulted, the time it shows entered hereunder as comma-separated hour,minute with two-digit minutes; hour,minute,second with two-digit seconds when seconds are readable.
3,18
